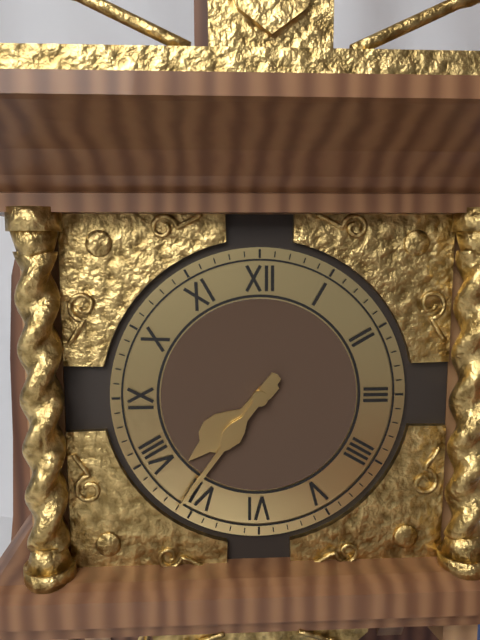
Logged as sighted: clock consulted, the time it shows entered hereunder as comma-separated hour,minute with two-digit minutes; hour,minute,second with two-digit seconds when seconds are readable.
7,36
